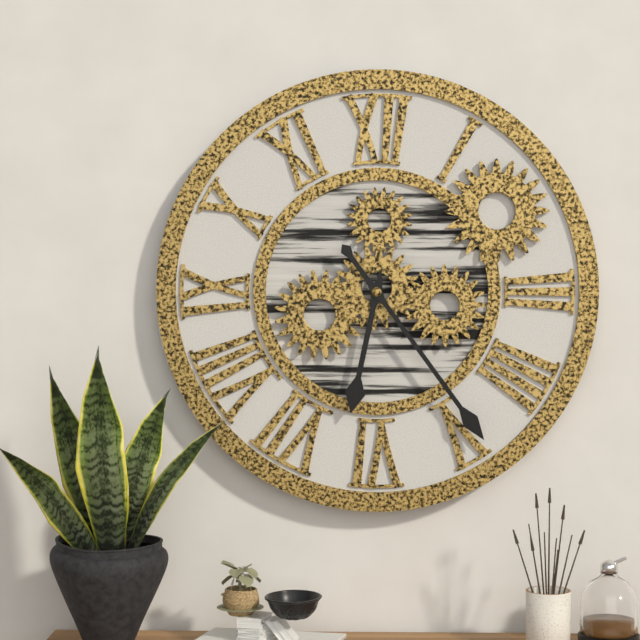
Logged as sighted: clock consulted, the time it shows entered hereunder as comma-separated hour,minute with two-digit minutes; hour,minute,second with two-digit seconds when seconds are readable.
6,24
